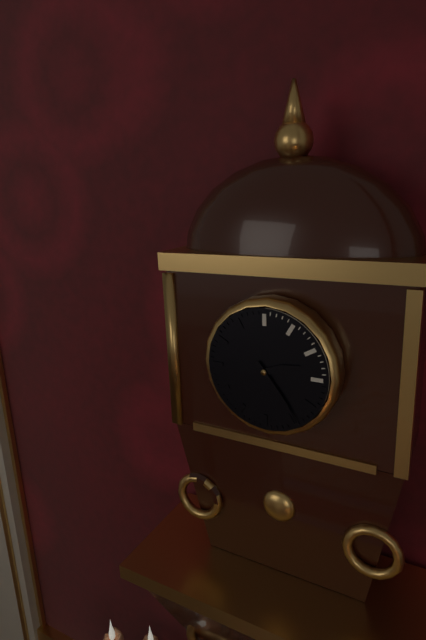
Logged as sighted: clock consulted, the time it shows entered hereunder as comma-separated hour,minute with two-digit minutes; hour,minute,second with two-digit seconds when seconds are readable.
2,24
